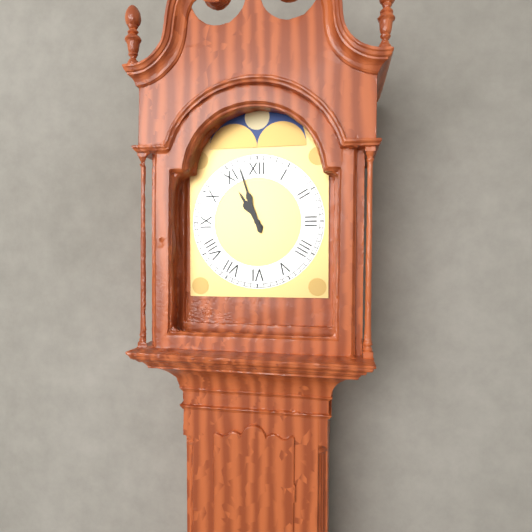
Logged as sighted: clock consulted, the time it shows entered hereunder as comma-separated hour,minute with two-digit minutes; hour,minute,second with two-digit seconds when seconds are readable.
10,57
